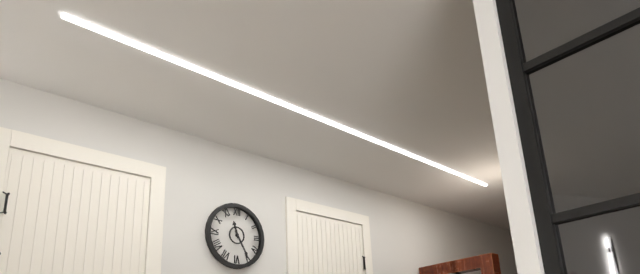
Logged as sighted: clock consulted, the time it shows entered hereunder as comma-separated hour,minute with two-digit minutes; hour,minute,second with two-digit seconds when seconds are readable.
11,25
